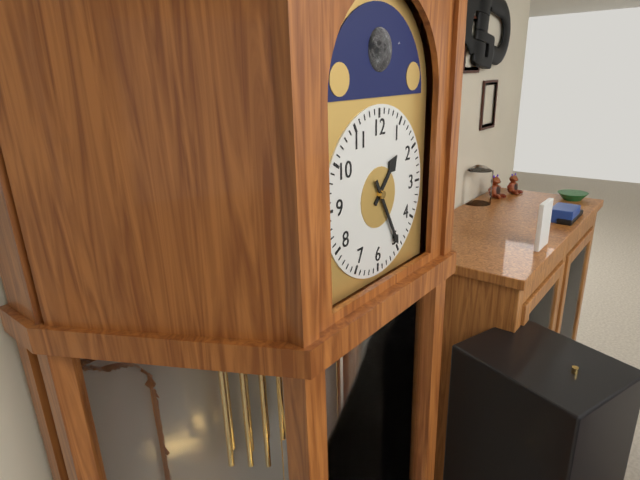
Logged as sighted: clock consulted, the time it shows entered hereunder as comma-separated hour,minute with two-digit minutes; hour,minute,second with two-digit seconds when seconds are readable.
1,25
